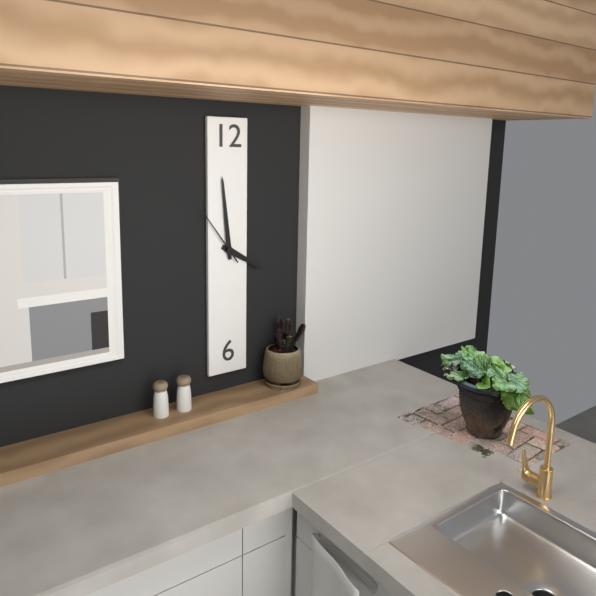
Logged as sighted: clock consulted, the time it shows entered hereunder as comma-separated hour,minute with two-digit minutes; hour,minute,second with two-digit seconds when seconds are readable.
3,59,54
